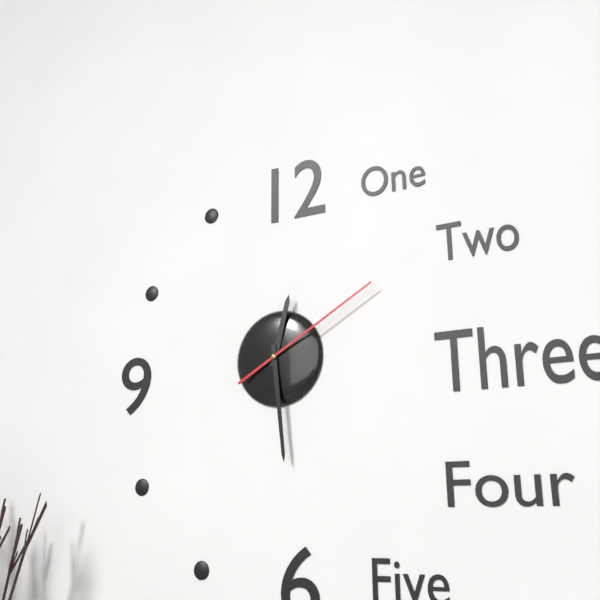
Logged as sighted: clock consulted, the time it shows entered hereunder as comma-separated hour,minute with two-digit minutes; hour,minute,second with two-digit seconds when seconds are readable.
12,29,10
